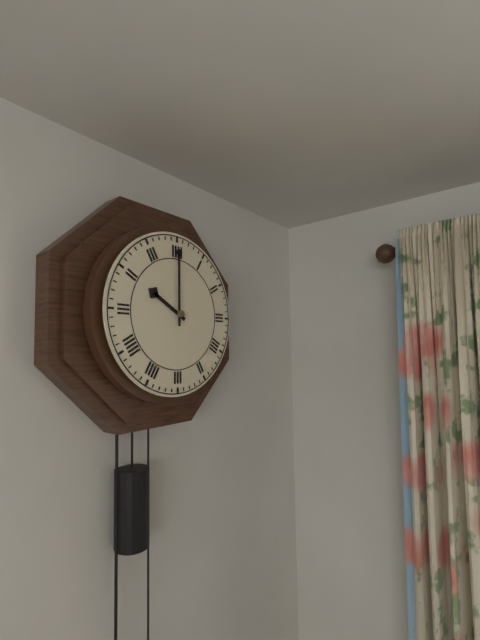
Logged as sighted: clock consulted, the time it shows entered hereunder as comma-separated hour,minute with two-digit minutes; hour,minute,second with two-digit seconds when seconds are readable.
10,00
